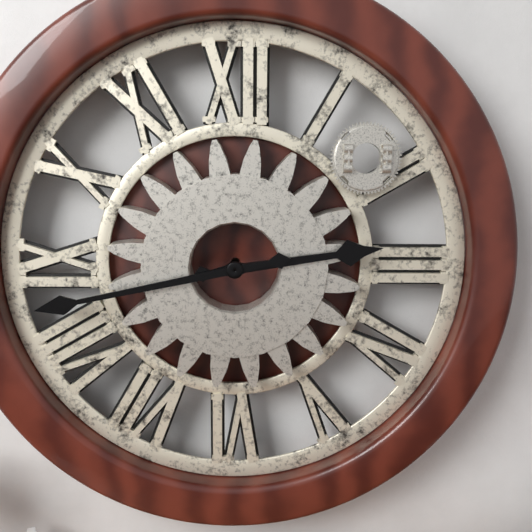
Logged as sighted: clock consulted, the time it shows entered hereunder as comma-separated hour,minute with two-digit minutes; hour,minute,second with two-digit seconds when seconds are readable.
2,43
